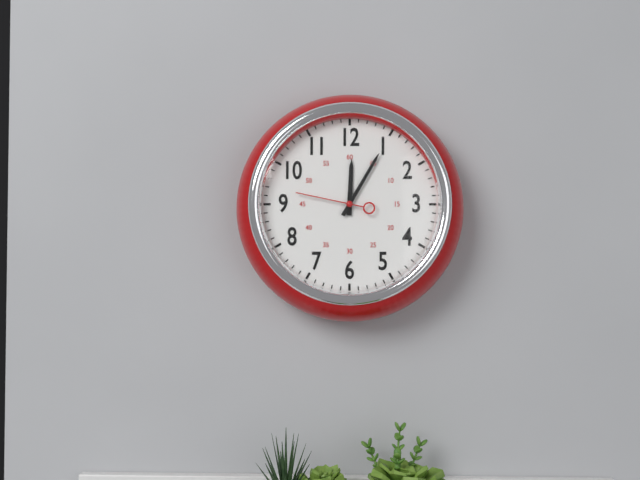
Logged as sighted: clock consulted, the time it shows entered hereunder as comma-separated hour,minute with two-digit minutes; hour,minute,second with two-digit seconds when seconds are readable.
12,05,47
